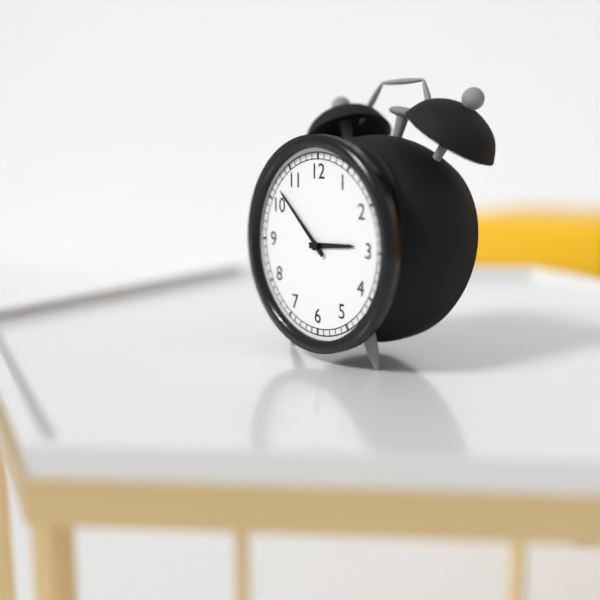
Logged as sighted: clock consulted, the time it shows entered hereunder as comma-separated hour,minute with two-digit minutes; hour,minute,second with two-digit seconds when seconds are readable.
2,52
